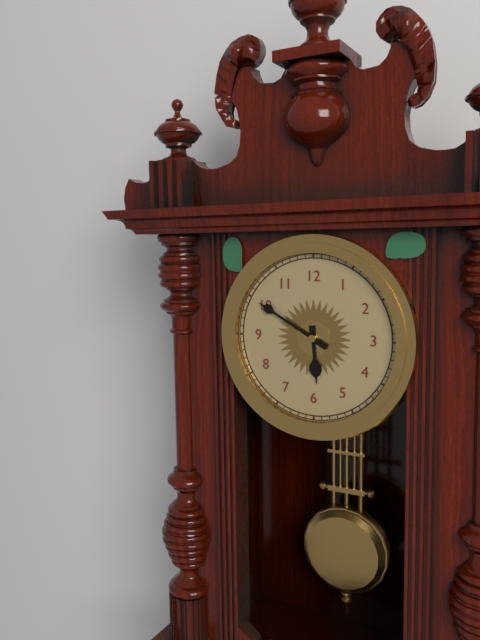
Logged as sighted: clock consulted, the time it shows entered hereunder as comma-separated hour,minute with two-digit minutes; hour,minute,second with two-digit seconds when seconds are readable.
5,50
